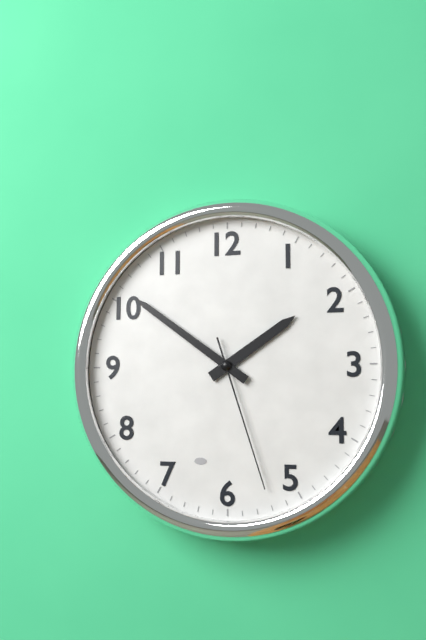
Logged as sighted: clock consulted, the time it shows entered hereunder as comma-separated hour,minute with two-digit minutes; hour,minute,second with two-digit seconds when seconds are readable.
1,51,27
